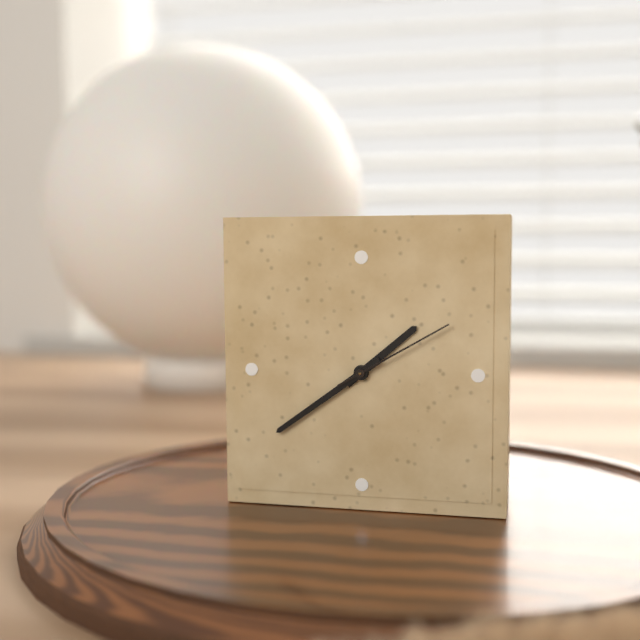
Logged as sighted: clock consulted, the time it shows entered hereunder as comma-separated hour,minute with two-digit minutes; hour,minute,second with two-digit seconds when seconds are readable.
1,39,10
